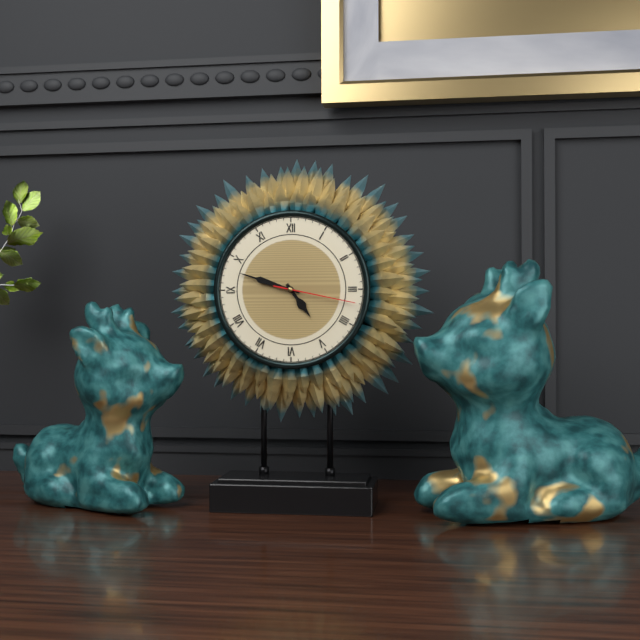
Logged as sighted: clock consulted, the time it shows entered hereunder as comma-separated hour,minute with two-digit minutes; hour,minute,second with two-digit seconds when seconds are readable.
4,48,17
